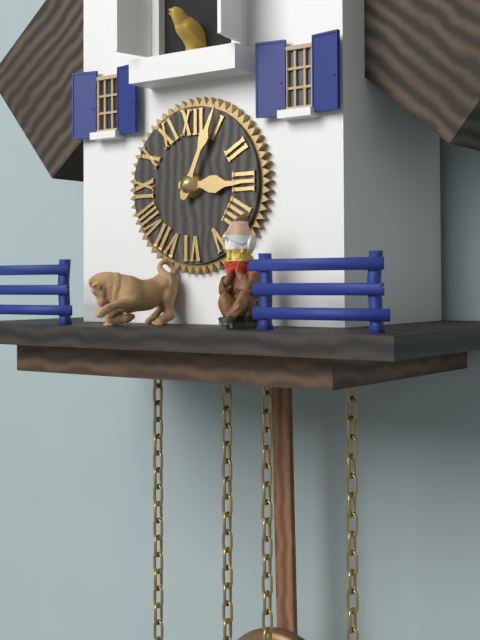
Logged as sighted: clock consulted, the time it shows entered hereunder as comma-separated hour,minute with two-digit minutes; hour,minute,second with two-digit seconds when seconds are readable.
3,04
